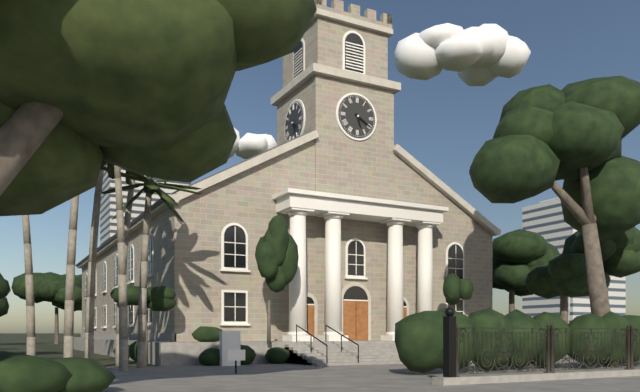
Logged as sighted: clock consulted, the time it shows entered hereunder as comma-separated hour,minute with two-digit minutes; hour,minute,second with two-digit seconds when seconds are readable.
5,20
